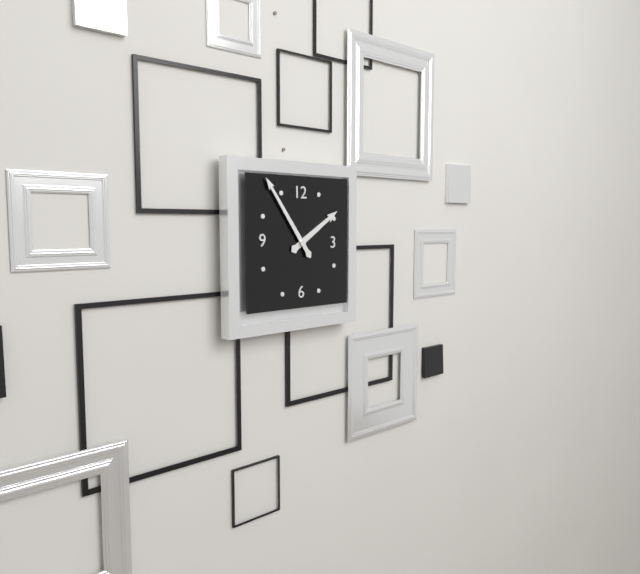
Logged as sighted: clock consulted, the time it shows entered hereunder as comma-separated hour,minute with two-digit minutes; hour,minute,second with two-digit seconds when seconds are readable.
1,54
